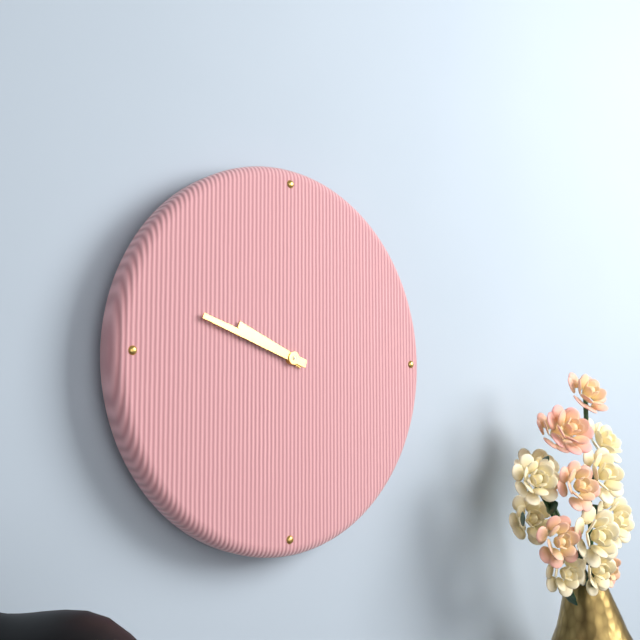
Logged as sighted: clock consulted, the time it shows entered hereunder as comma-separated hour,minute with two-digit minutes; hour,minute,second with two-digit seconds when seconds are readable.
9,48
